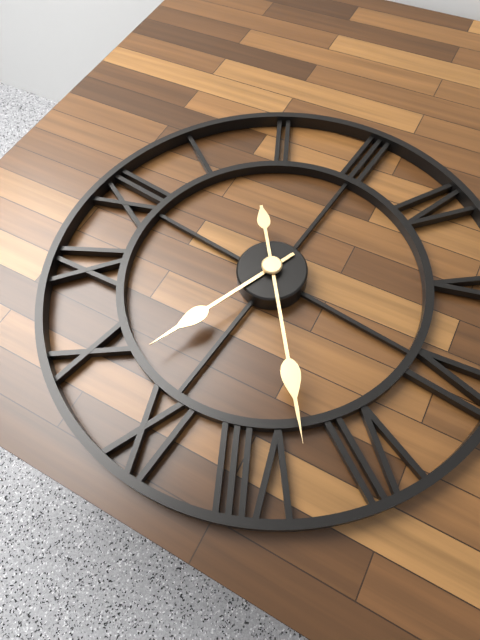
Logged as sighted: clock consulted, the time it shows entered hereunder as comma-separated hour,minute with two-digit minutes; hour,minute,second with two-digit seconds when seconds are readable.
9,38
